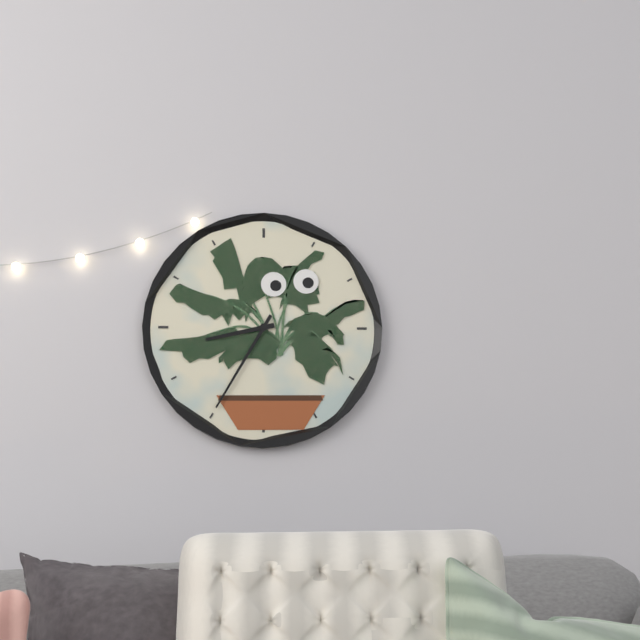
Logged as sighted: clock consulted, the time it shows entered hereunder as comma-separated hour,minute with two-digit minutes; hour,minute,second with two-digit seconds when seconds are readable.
8,35
